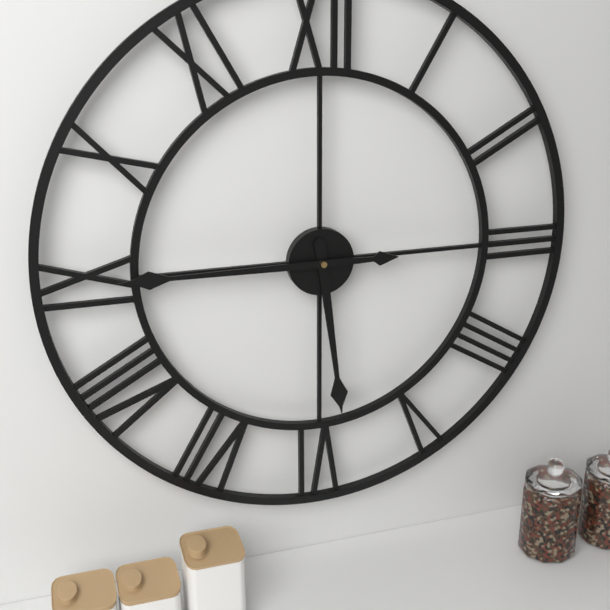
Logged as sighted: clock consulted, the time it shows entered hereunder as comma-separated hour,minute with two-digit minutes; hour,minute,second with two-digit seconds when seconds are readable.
5,45
